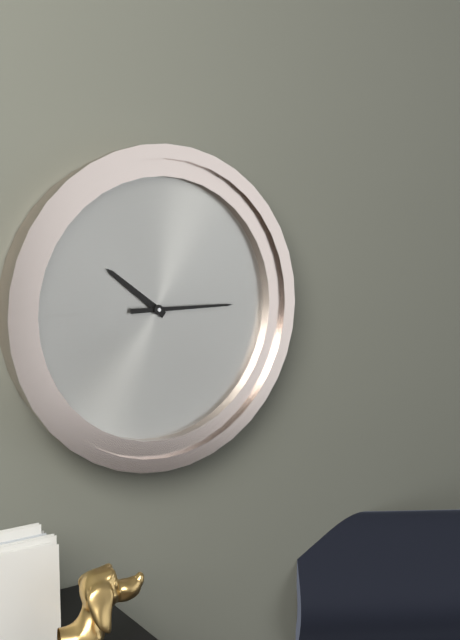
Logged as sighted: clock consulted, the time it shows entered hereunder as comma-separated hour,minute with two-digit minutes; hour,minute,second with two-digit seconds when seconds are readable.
10,15
